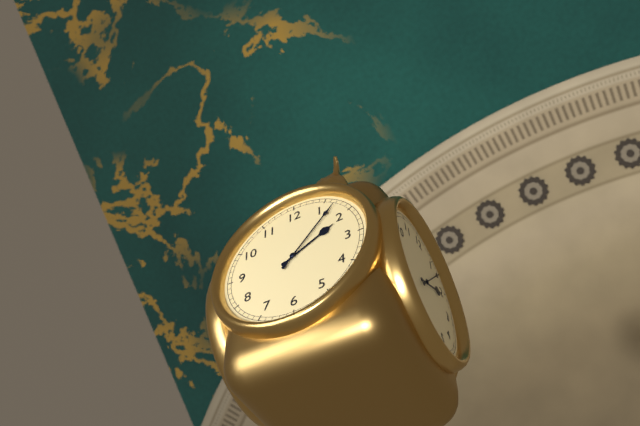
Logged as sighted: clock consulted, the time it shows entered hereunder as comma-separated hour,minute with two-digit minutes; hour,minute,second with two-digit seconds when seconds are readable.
2,07
